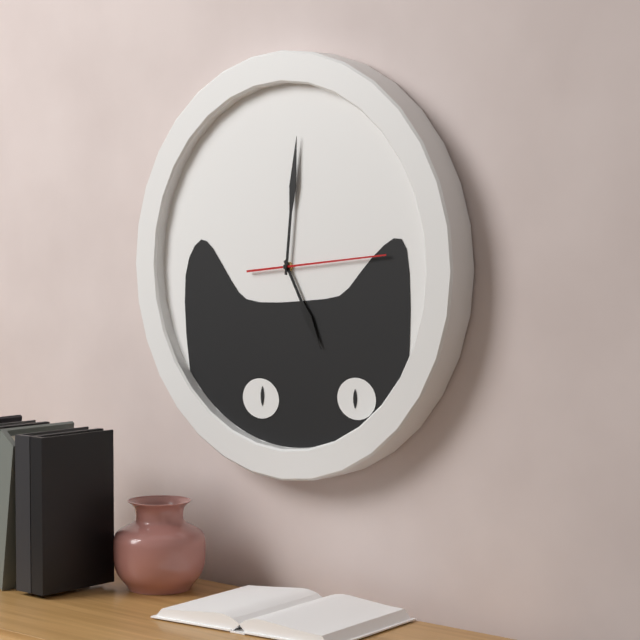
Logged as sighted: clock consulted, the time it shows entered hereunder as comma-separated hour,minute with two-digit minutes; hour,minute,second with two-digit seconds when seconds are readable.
5,01,14
